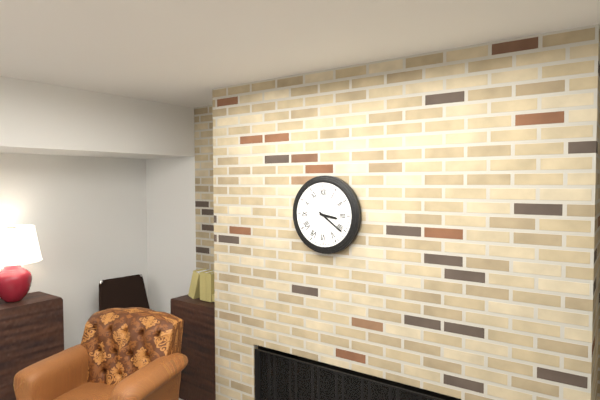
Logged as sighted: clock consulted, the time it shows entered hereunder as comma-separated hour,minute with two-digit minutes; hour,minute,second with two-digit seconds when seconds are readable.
3,21
